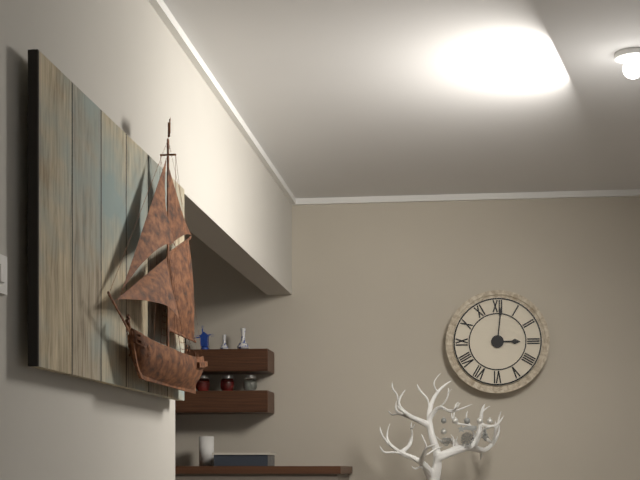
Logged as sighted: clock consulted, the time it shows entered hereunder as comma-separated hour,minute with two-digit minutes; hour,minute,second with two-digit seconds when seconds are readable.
3,01
